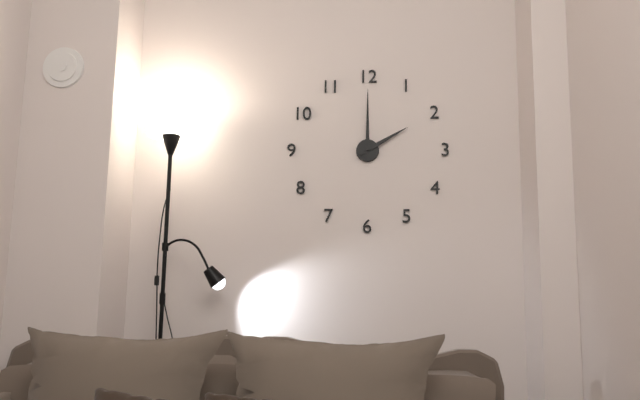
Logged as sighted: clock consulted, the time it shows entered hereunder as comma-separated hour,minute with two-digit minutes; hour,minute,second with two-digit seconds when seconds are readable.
2,00
